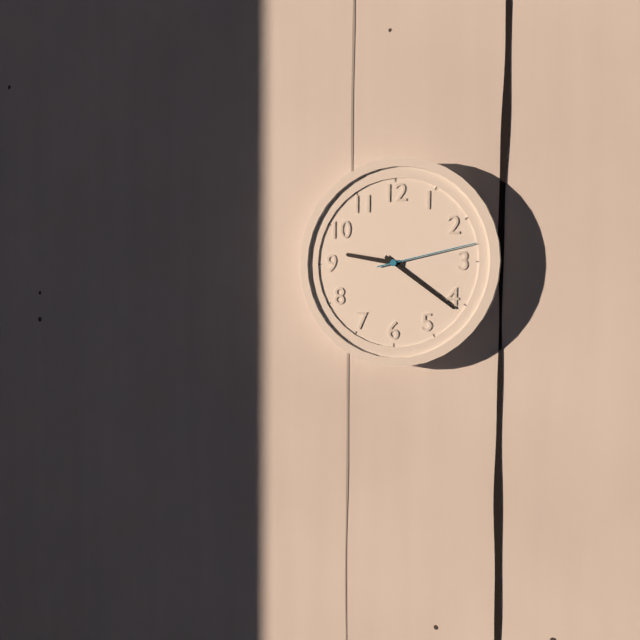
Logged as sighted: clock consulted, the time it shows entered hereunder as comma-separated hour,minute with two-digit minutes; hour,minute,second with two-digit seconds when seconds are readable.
9,21,13
